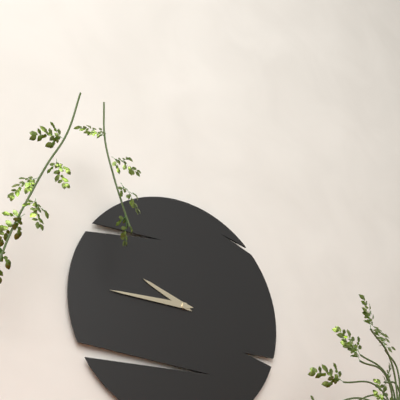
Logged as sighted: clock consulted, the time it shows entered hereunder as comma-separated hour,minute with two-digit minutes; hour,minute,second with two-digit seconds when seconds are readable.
9,45
